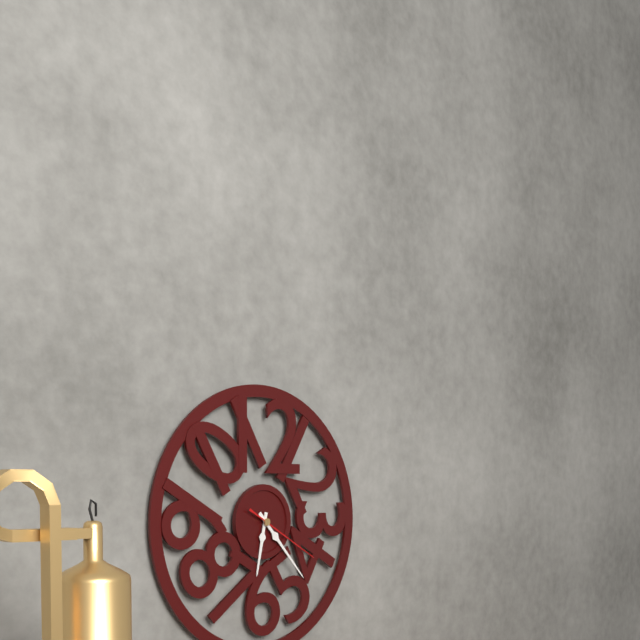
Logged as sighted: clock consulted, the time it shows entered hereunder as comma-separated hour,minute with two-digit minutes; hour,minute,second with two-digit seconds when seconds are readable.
6,23,20
